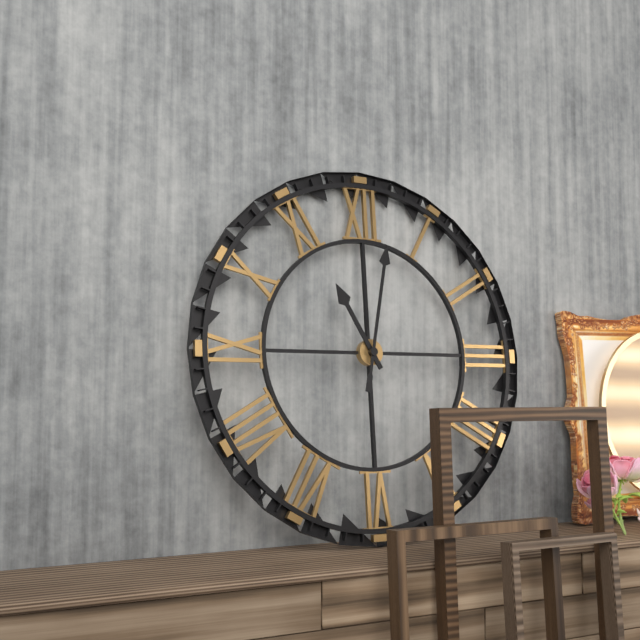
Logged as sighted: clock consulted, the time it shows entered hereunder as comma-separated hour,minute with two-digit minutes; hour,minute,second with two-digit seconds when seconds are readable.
11,02
